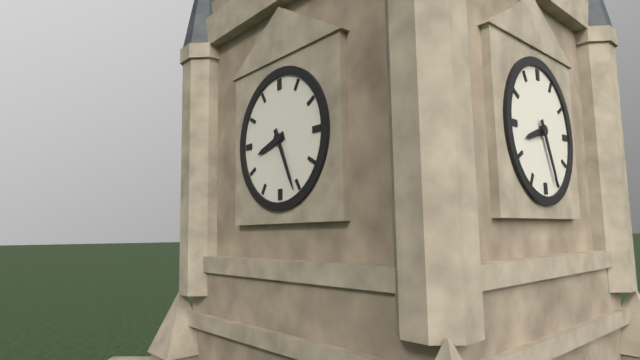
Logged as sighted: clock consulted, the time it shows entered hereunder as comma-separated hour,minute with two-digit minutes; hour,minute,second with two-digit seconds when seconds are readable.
8,26
